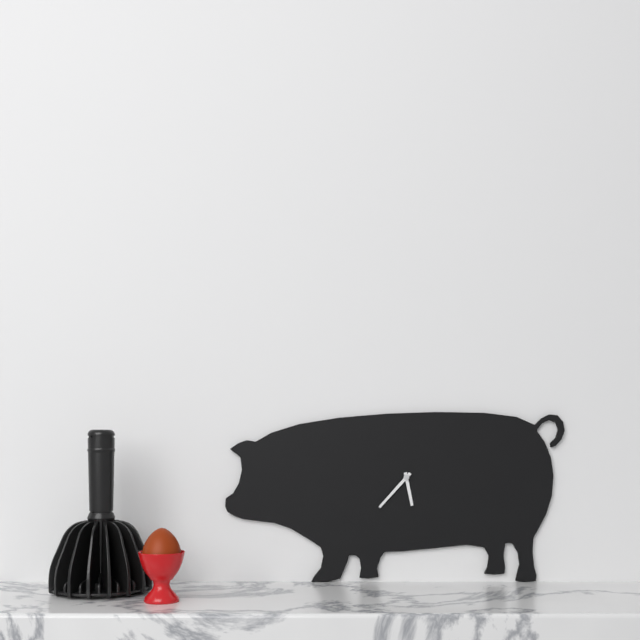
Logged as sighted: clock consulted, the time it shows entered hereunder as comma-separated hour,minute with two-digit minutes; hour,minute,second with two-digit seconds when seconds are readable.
5,37
